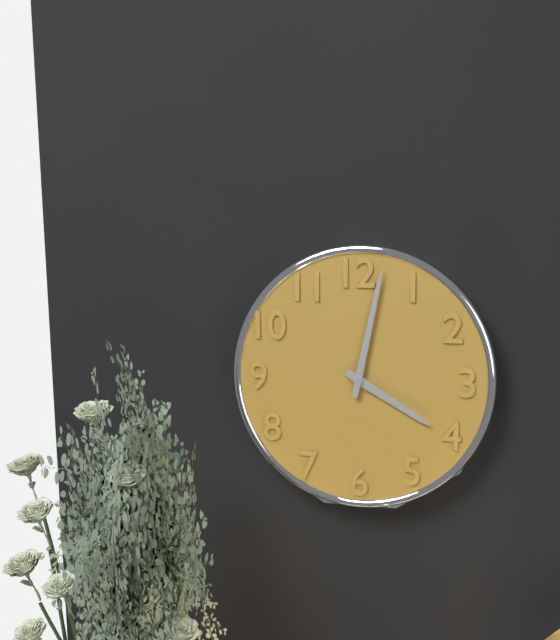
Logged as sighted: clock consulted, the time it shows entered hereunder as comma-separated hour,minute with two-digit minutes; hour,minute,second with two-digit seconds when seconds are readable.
4,02
